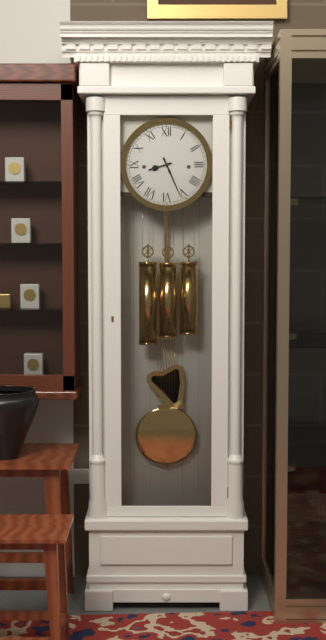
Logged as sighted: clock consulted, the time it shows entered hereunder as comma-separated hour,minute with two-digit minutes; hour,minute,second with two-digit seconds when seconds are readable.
8,26
